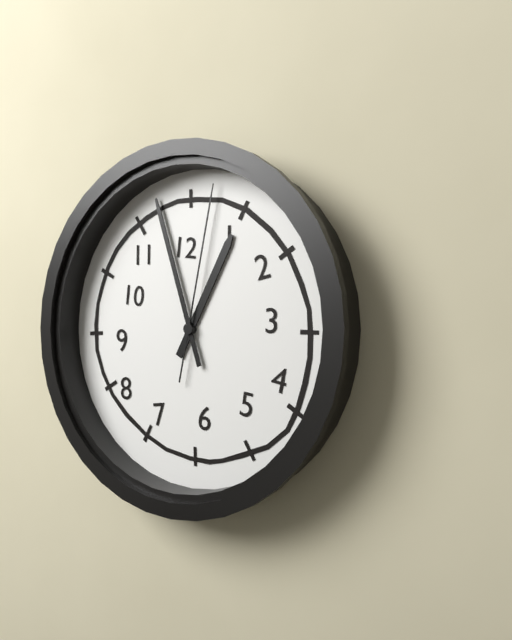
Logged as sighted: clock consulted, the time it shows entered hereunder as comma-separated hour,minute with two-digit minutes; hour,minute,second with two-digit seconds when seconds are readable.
12,57,02
